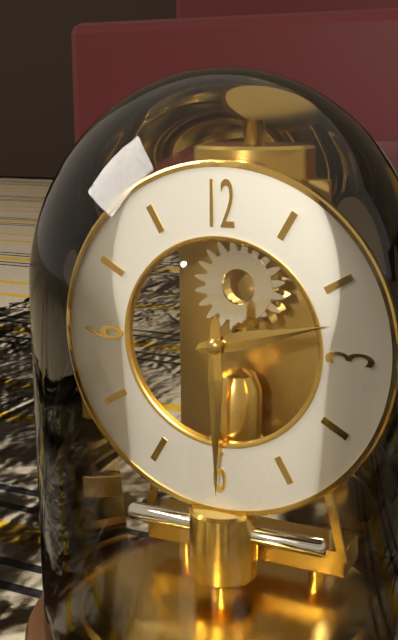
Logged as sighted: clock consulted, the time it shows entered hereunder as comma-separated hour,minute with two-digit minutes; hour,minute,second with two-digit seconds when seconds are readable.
2,30
